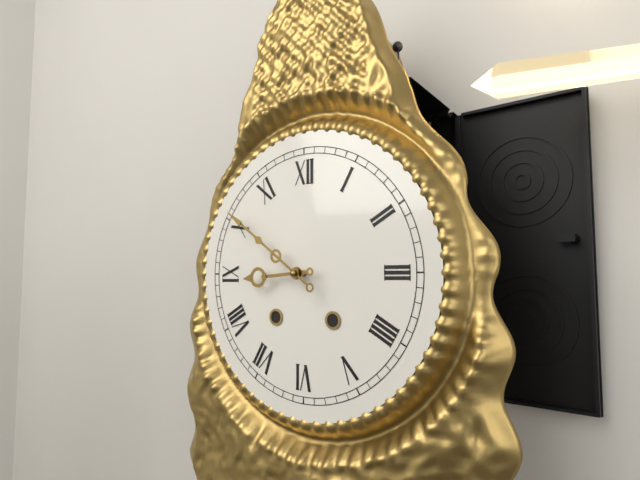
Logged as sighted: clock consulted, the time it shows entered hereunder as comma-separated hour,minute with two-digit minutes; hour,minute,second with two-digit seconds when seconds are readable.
8,51
